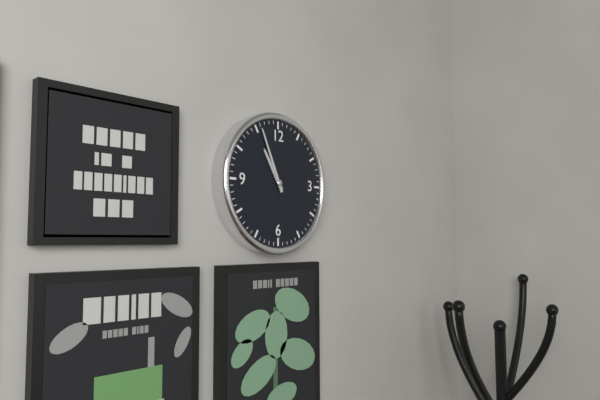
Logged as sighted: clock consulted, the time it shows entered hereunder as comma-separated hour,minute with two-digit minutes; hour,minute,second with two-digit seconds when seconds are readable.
10,56
